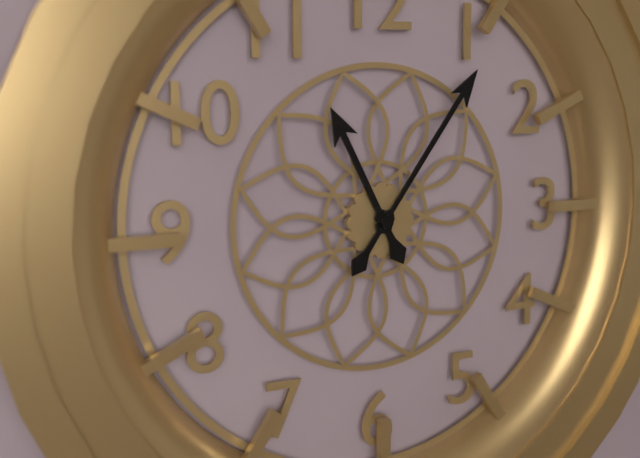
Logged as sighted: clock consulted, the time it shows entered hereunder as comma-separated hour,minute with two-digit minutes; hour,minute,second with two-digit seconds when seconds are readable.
11,06
